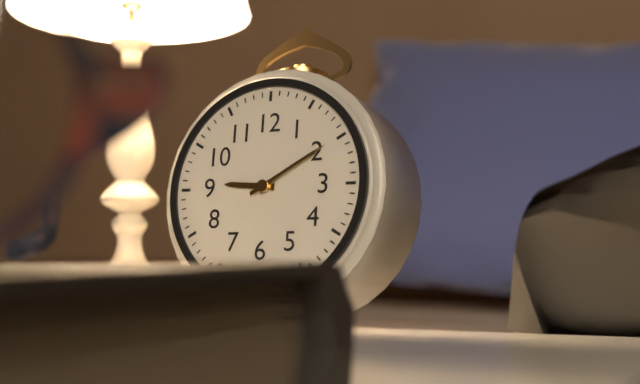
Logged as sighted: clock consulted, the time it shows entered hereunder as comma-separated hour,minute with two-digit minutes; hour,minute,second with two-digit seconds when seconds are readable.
9,10
